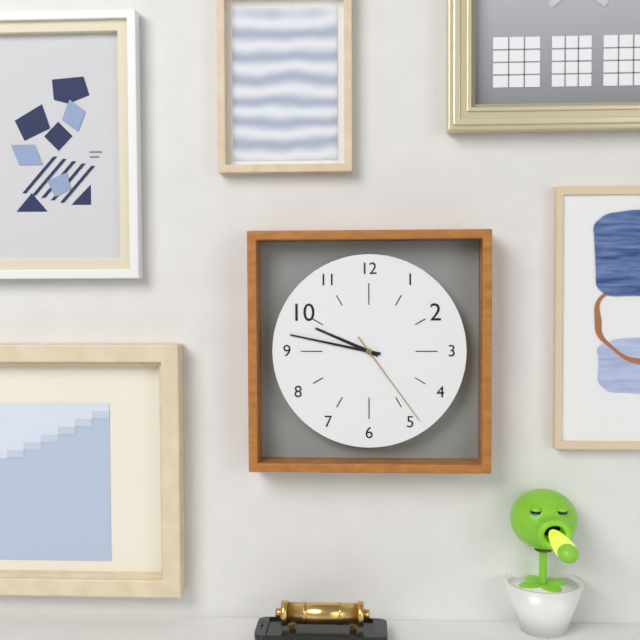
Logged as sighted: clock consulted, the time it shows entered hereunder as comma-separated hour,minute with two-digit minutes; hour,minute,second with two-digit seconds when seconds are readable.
9,47,24
